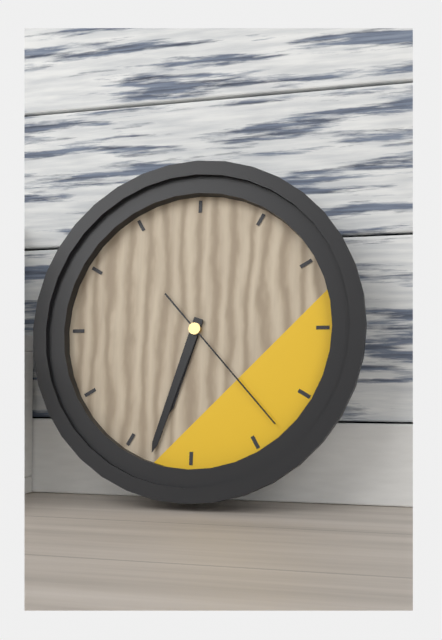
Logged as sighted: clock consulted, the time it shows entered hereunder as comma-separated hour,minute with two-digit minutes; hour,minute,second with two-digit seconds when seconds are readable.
6,33,23
